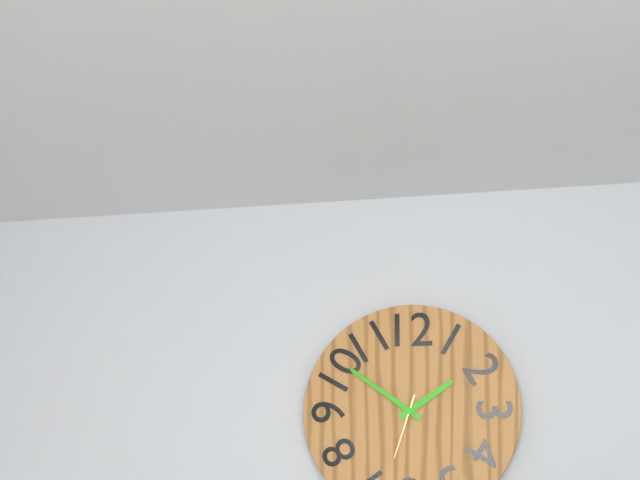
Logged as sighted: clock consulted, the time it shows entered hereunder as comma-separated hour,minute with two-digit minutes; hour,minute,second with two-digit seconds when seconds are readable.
1,51,33
